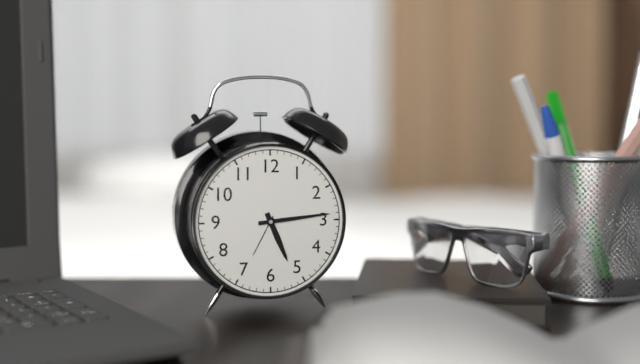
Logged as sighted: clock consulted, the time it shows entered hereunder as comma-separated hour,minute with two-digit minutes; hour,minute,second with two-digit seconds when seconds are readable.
5,14
